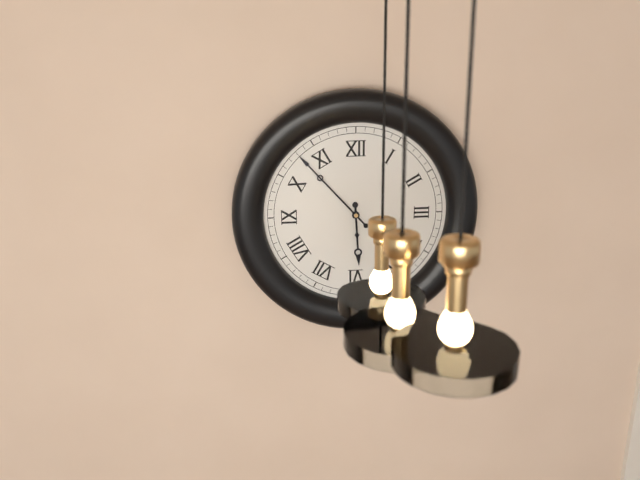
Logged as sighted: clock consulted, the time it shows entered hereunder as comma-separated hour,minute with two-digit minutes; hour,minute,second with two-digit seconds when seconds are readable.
5,53
